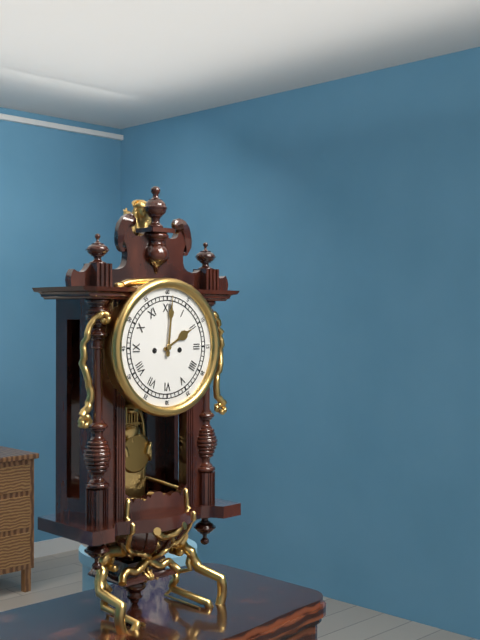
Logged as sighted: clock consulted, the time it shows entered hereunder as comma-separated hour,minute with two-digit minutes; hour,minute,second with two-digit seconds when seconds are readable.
2,01
